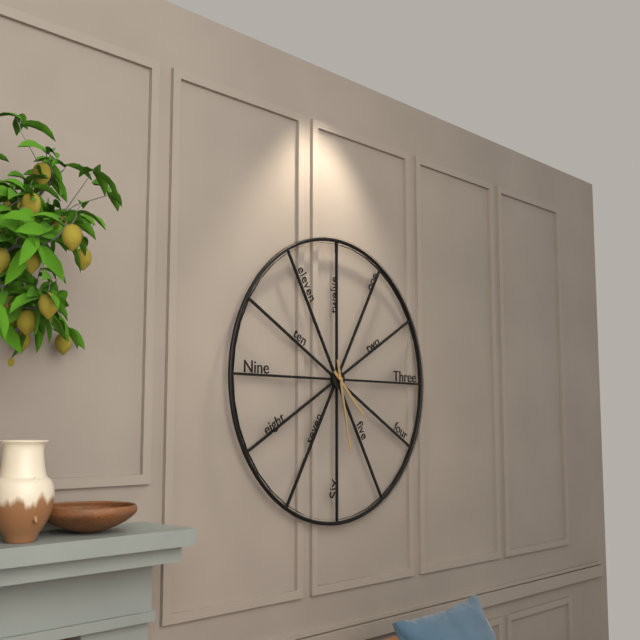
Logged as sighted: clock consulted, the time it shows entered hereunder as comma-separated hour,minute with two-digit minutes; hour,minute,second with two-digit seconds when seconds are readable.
4,28
